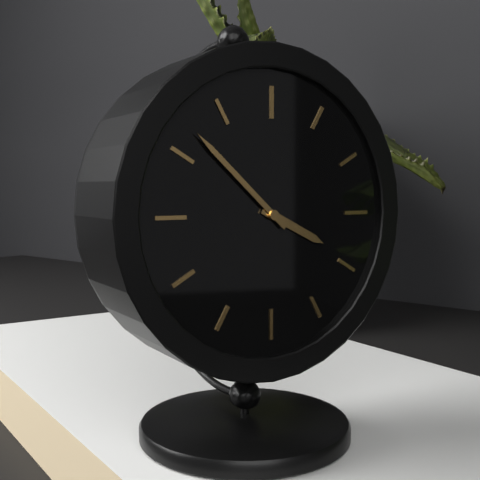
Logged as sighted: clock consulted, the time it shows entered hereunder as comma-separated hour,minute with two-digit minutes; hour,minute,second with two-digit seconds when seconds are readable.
3,52
